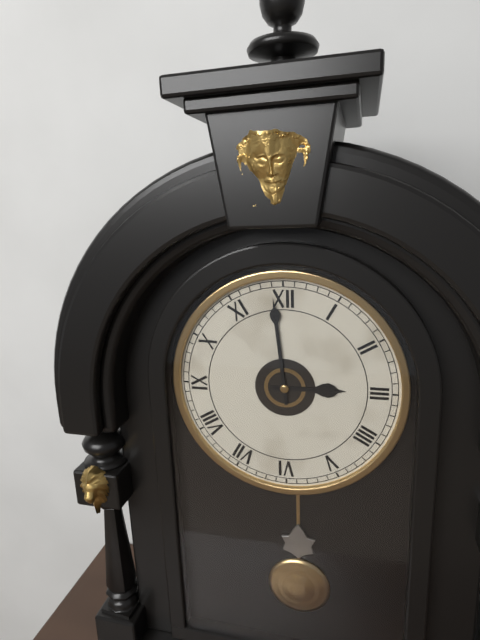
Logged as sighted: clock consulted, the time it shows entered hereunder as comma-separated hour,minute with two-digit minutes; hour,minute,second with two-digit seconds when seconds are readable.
2,59
